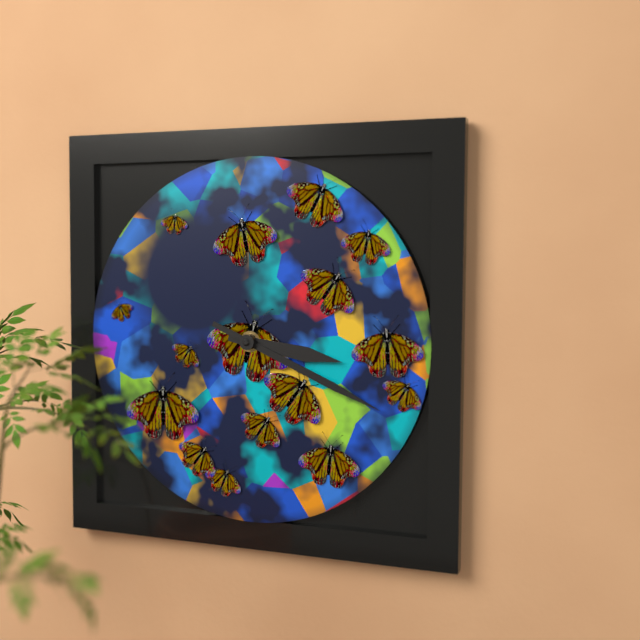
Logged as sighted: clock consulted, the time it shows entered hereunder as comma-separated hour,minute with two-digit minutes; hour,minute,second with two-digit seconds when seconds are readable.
3,19
